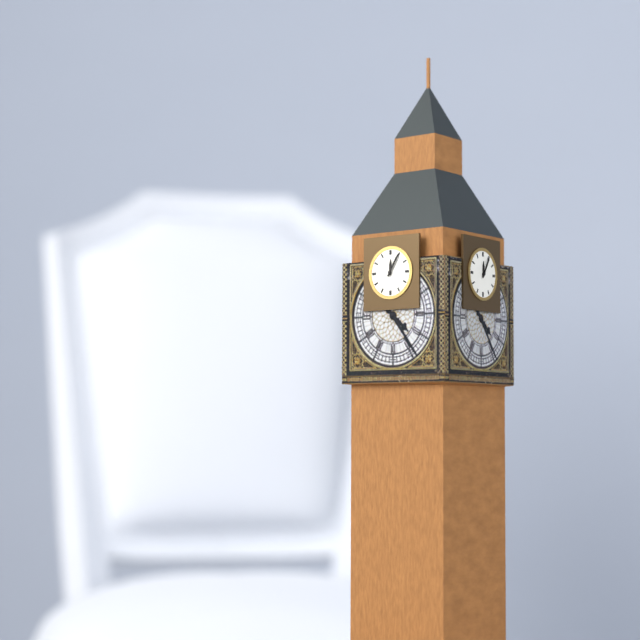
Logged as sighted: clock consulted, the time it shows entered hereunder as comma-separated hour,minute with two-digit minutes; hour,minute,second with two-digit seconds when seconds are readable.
12,05
